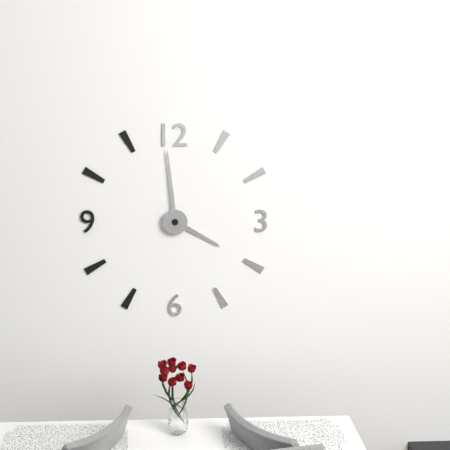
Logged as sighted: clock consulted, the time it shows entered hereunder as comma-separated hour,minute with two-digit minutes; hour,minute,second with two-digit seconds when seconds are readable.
3,59
